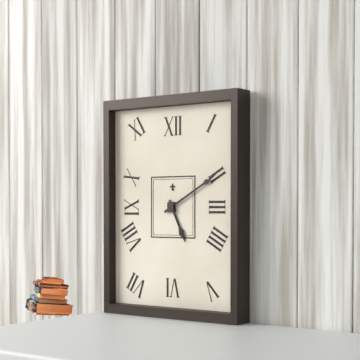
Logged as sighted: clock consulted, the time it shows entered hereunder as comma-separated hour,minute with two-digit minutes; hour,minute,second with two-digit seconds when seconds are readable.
5,10
